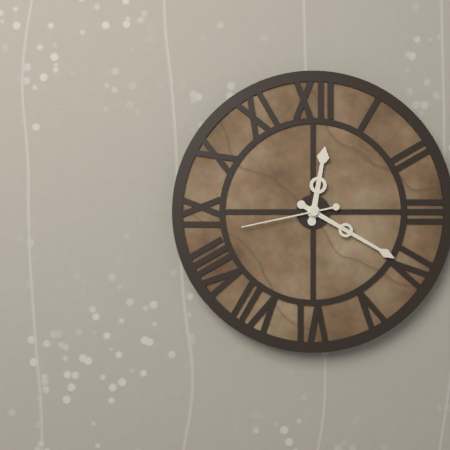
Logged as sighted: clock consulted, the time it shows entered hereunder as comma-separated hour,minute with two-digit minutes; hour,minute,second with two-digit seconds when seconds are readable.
12,20,43
